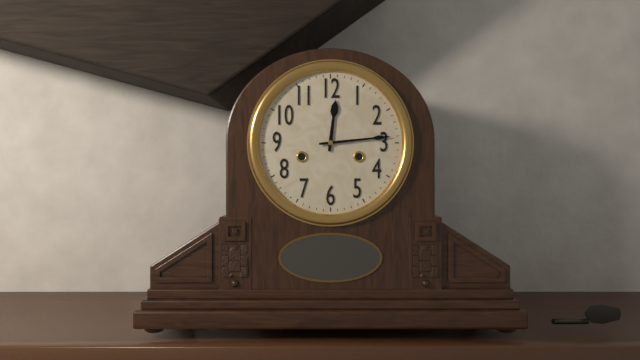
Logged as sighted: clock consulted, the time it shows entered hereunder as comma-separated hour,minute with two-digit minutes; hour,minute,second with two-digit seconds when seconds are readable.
12,14
